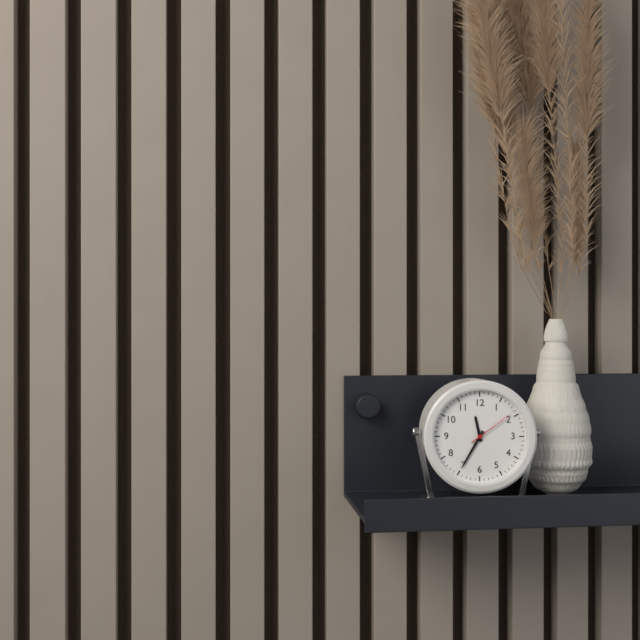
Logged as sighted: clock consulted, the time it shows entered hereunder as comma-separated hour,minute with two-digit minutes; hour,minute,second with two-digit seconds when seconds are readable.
11,35
